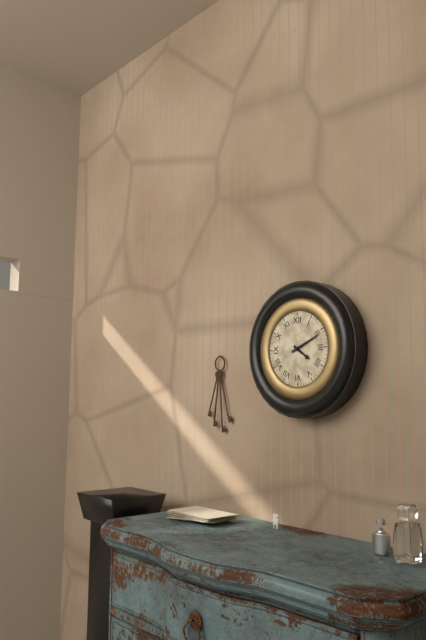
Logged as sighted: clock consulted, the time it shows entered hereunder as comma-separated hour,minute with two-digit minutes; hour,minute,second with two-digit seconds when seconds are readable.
4,11
